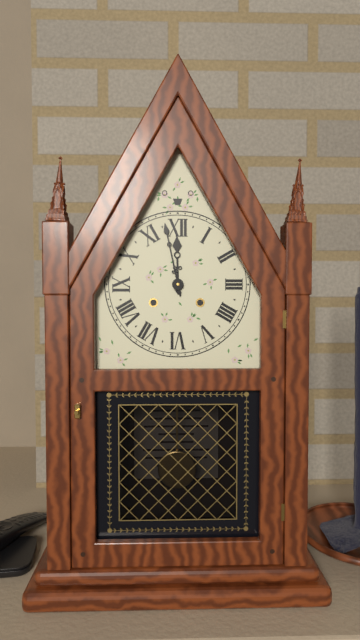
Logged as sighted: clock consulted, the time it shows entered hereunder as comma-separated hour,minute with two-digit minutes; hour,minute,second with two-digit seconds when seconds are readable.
11,58
